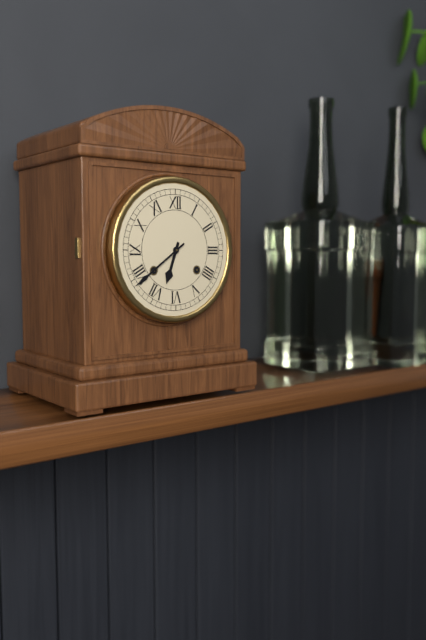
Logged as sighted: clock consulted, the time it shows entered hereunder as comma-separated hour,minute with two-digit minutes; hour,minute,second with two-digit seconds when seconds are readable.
6,39
